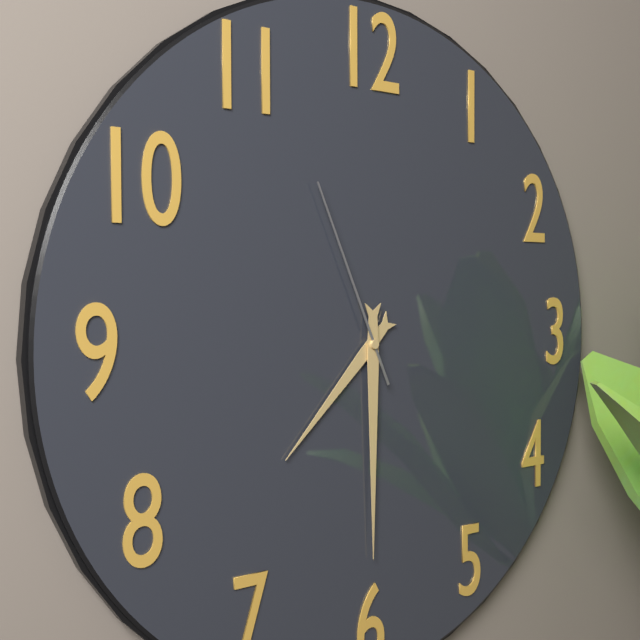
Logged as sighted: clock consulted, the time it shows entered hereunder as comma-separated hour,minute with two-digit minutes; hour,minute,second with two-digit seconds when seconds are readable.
7,30,56
